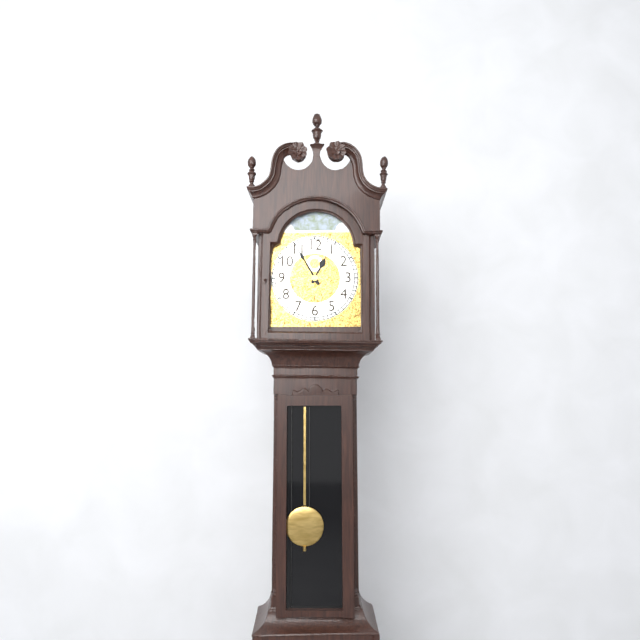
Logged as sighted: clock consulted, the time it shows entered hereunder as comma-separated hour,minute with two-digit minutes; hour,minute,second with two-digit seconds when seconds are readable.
12,55
